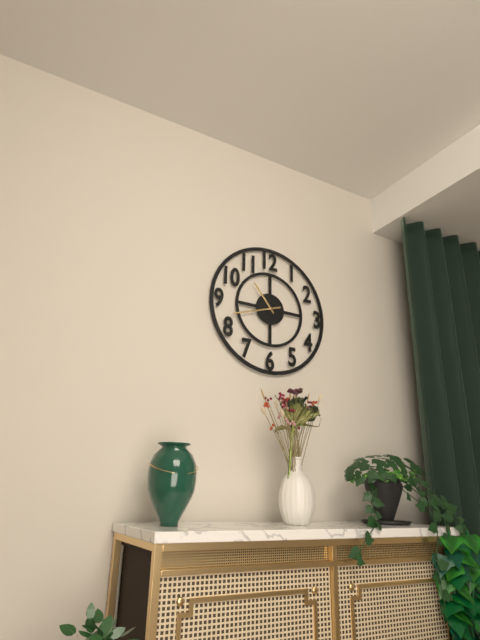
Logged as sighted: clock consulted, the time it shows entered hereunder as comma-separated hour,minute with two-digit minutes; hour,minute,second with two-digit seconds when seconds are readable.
10,42
